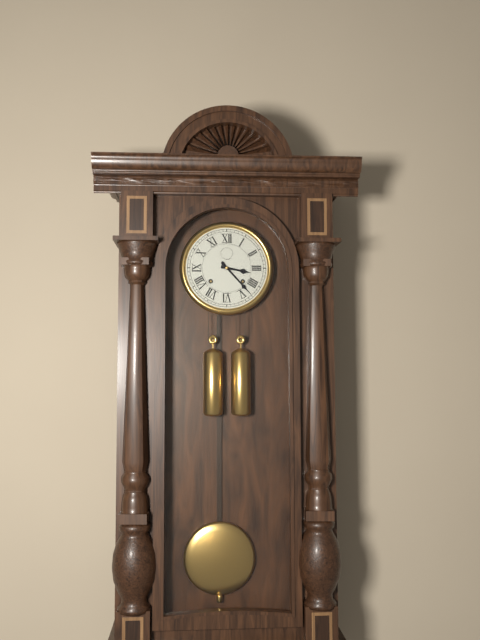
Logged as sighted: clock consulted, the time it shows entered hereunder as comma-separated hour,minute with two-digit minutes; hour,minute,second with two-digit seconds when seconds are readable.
3,23
